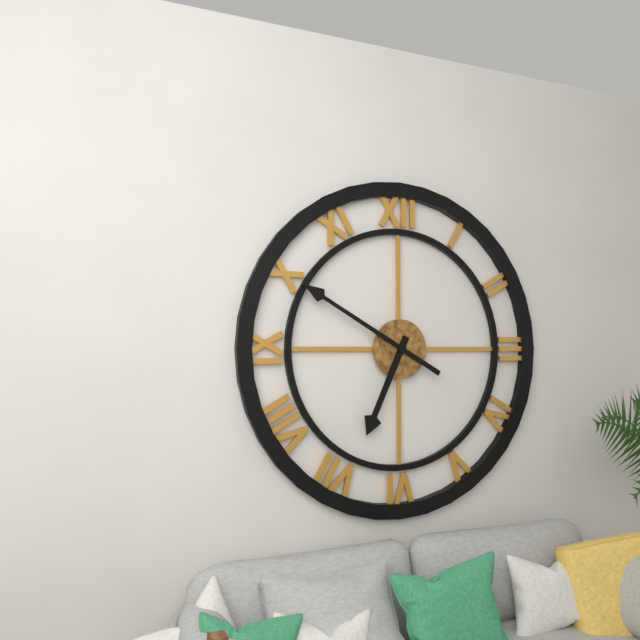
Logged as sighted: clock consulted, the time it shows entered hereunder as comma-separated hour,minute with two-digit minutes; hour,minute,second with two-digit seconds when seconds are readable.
6,50
